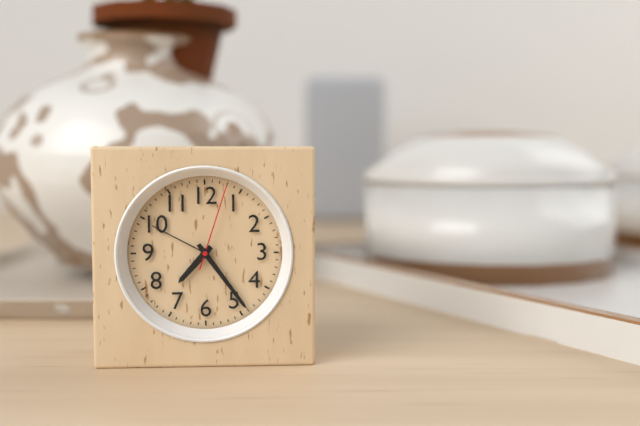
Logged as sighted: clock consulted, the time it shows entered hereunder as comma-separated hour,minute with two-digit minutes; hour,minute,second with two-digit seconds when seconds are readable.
7,24,03
